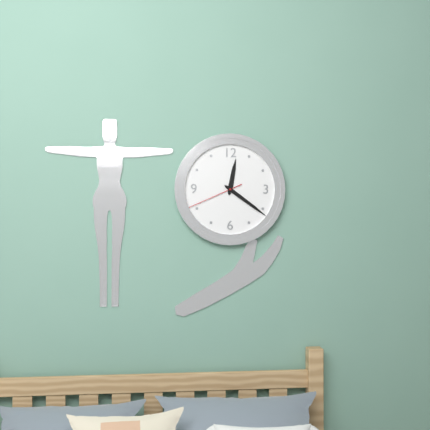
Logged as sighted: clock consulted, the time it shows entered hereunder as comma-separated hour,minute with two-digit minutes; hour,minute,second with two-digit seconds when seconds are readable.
12,21,41
